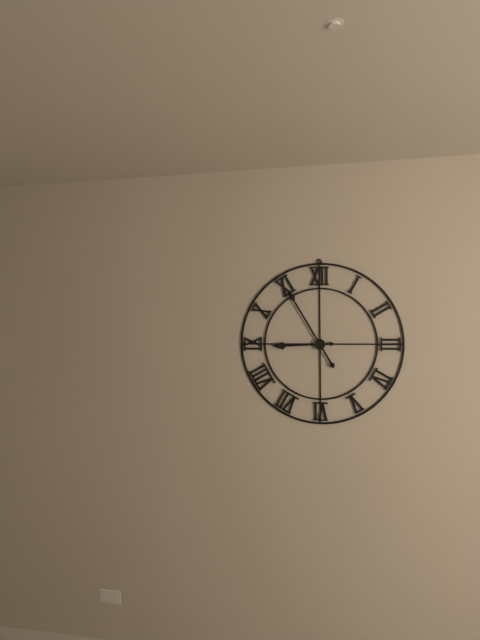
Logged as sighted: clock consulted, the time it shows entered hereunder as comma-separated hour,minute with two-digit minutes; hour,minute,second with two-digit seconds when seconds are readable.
8,55
